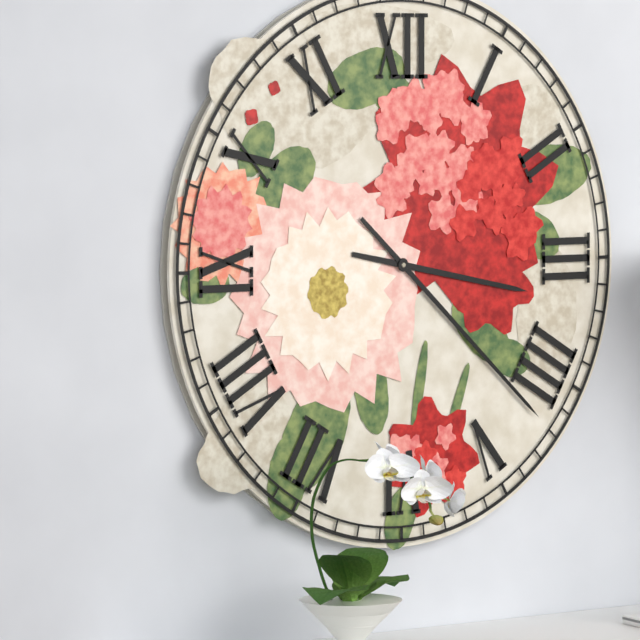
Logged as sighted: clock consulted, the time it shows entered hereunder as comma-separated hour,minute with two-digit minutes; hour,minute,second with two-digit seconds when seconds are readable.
3,22
